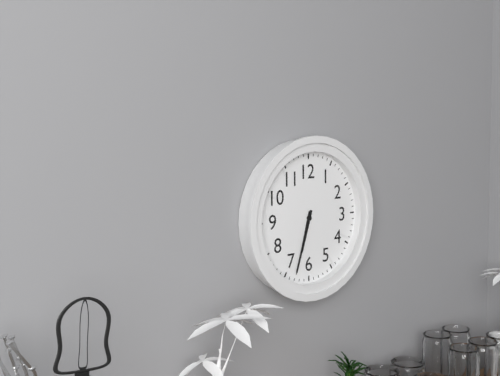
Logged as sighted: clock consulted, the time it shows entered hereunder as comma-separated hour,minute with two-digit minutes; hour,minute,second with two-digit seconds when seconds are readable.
6,33
